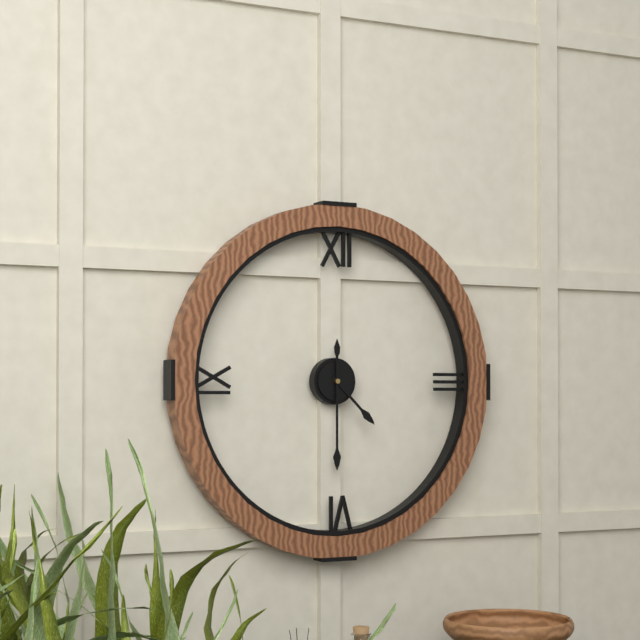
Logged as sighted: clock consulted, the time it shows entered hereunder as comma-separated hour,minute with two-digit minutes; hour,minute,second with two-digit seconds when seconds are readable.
4,30
